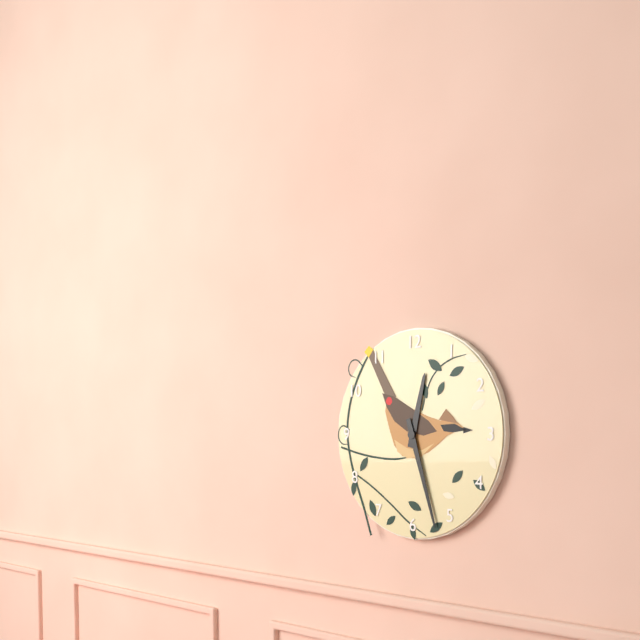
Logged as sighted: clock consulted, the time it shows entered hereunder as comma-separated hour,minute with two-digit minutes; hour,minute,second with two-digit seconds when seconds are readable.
12,27
